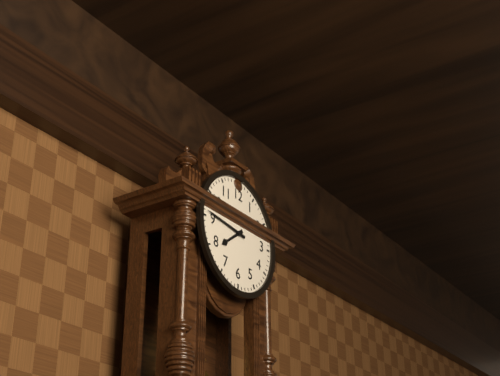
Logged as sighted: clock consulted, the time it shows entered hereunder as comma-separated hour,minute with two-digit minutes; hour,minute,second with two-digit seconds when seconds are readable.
7,46
